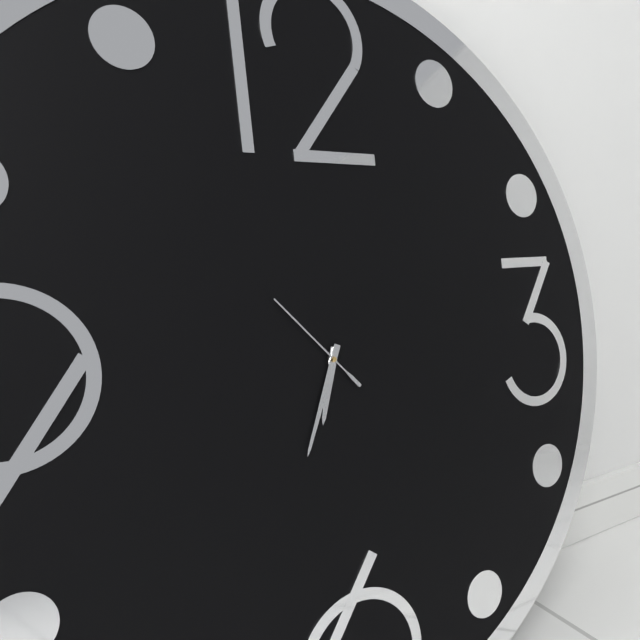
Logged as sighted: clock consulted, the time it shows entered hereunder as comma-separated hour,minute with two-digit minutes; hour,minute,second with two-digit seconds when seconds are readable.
6,34,53
